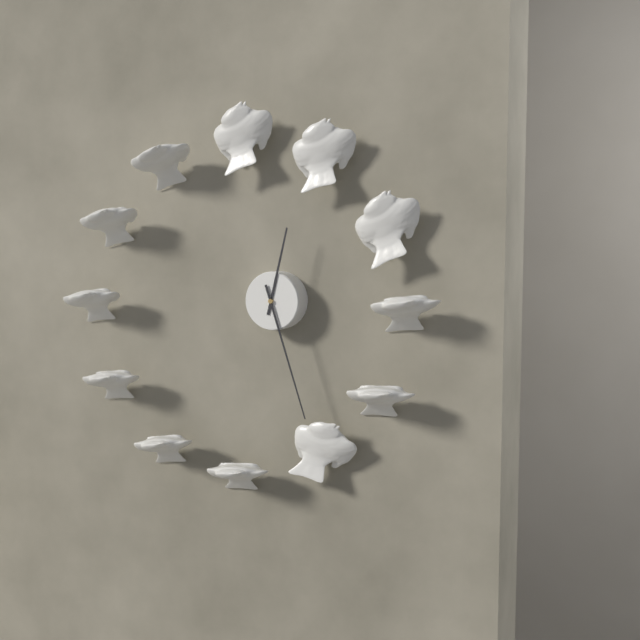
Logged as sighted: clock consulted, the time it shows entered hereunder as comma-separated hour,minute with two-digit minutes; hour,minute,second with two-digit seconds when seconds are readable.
12,27
